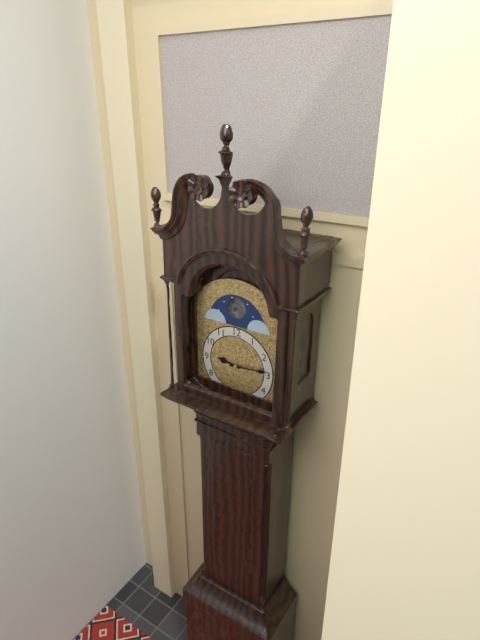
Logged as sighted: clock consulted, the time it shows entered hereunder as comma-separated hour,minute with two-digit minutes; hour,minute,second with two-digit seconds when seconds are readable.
9,14
